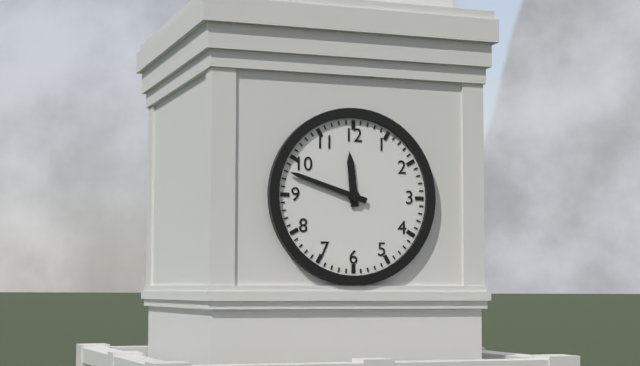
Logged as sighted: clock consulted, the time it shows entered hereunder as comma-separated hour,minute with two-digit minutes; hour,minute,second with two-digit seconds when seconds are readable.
11,48
